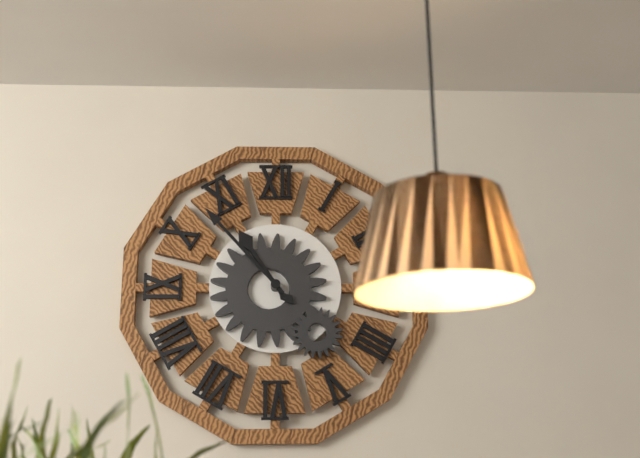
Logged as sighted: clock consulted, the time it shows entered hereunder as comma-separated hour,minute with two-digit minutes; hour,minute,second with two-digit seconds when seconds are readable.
10,53
